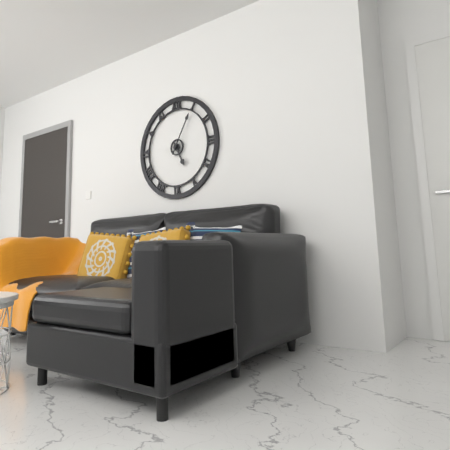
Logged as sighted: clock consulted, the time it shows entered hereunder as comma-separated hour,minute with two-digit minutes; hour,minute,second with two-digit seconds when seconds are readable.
5,05
